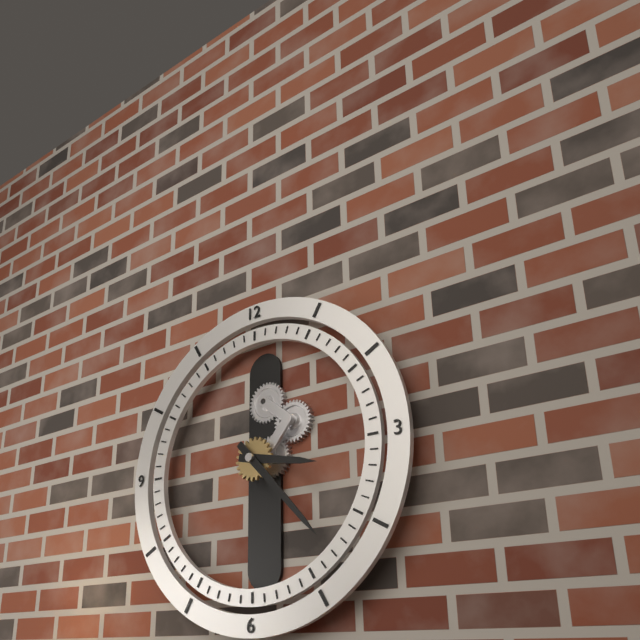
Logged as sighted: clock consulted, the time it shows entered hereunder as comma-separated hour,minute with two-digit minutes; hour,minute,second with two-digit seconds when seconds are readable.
3,23
